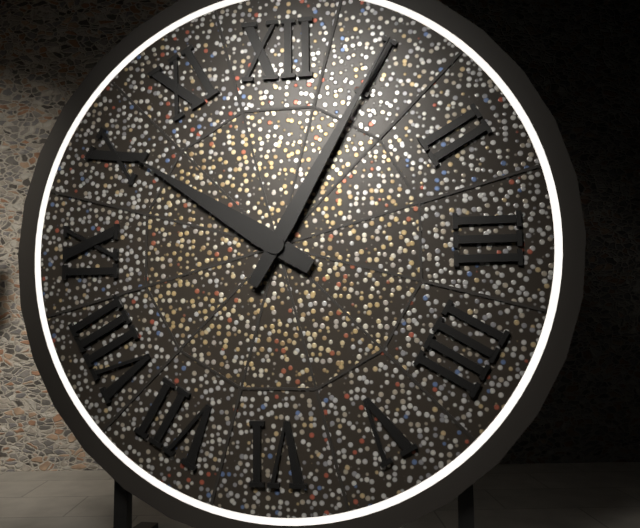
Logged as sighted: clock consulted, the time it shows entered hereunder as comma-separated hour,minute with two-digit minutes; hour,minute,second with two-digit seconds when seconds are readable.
10,05
